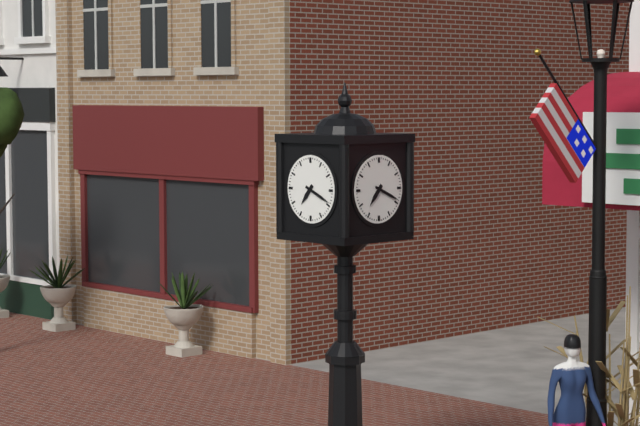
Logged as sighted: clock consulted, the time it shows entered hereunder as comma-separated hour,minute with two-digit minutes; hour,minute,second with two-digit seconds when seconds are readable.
7,19
